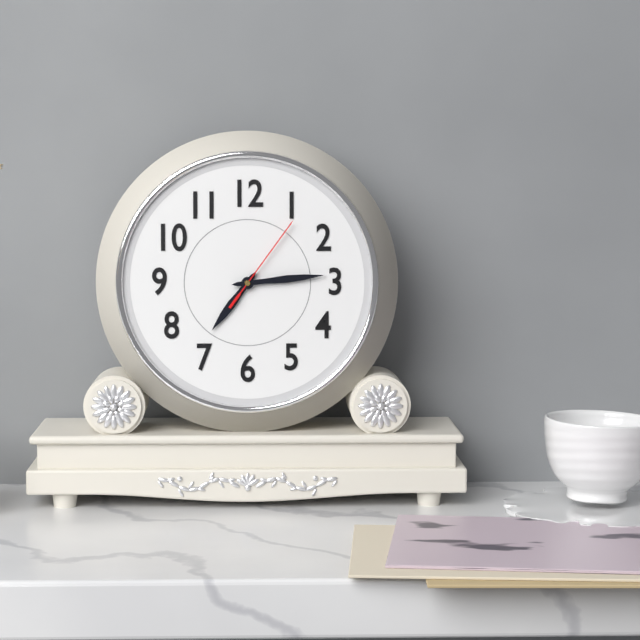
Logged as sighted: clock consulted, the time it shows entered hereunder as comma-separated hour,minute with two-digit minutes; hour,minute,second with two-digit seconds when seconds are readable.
7,14,06
